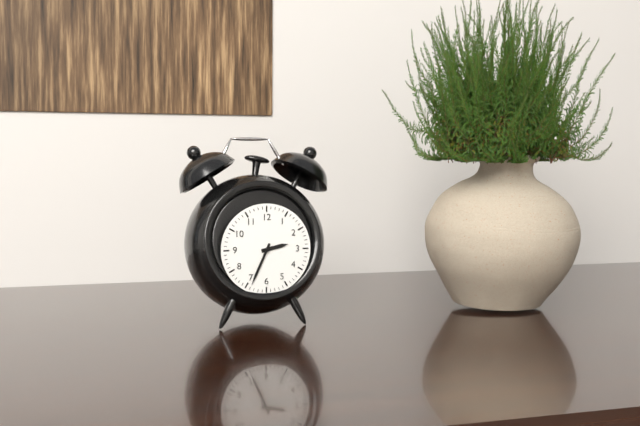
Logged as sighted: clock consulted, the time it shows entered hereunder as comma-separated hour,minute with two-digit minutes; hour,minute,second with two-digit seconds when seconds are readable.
2,34
